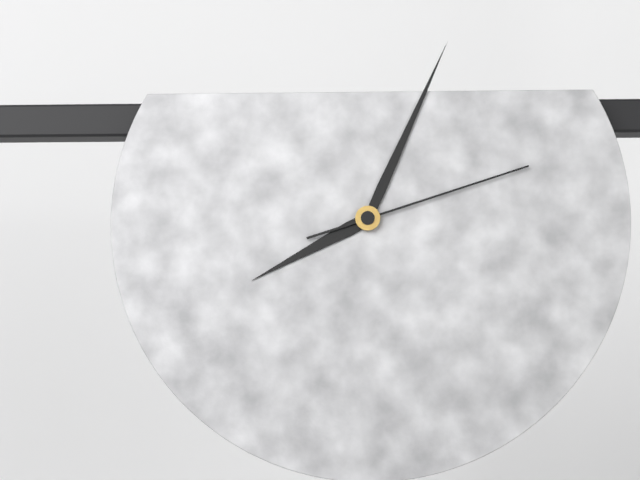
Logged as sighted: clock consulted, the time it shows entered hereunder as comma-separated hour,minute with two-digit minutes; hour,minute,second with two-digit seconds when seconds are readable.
8,04,12
